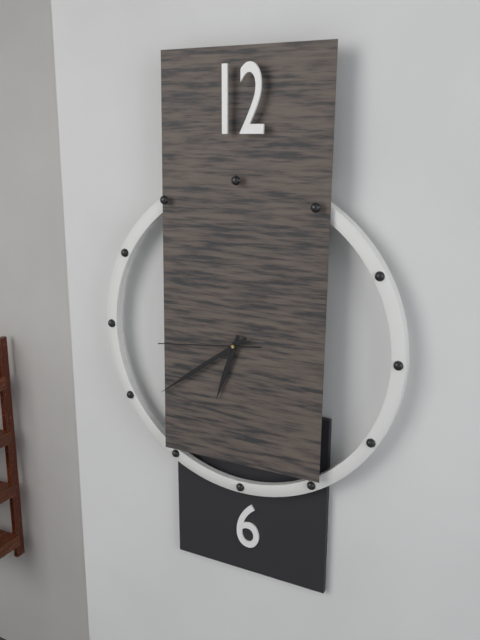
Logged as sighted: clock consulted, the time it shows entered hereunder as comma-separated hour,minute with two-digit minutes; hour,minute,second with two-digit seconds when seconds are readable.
6,39,44
